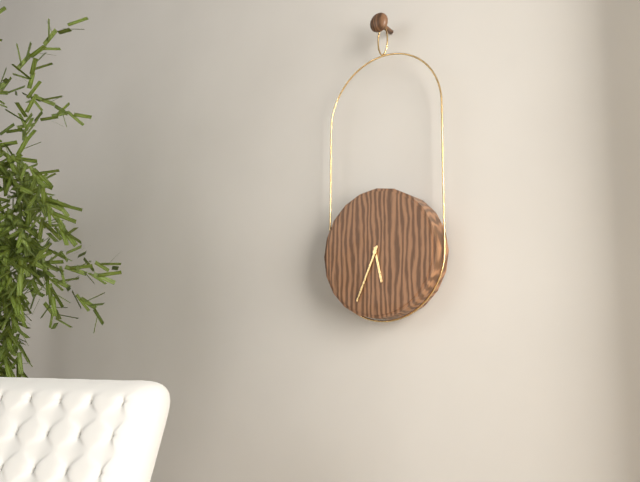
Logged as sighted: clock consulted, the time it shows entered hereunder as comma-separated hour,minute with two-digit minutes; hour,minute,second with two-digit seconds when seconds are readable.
5,34
